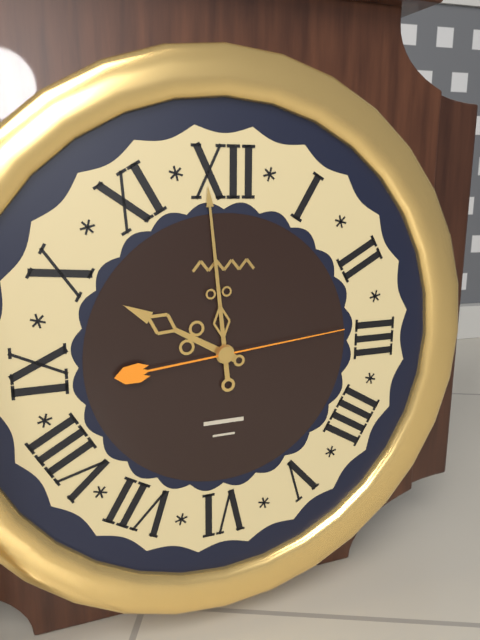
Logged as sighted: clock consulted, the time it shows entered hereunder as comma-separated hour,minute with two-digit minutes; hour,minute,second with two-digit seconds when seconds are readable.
9,59,14
